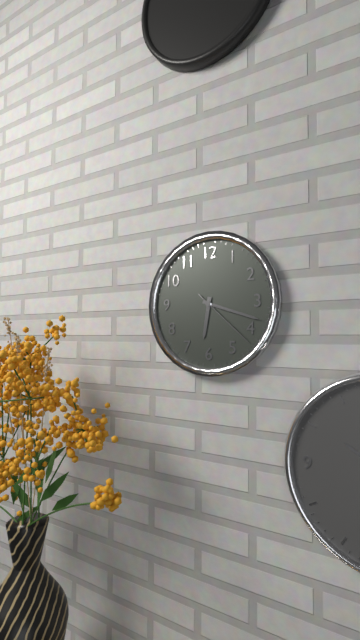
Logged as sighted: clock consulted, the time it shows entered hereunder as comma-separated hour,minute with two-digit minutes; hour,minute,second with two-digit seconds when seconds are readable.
6,18,22
